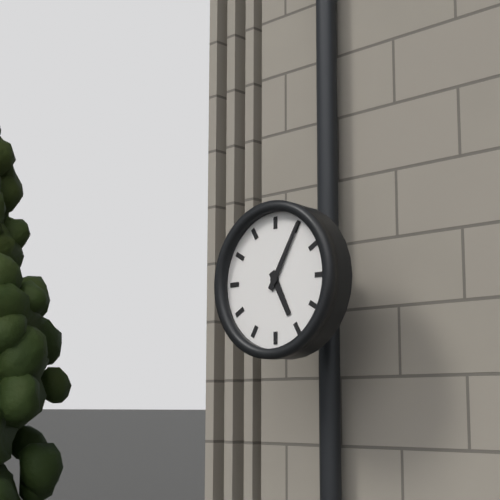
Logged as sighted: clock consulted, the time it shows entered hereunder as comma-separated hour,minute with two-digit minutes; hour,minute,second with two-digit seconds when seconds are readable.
5,05
